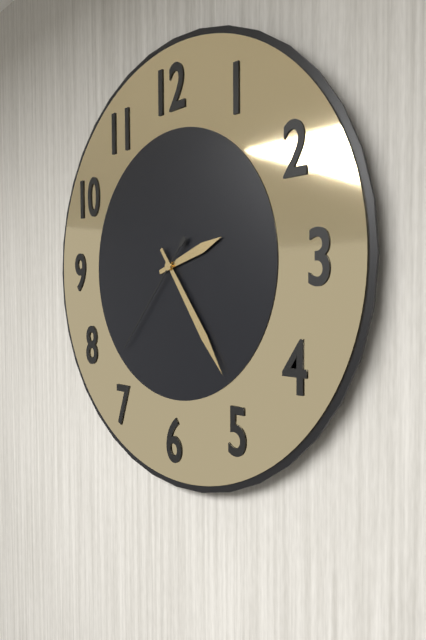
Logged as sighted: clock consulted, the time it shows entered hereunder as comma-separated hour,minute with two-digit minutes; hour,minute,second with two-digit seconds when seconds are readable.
2,24,37
